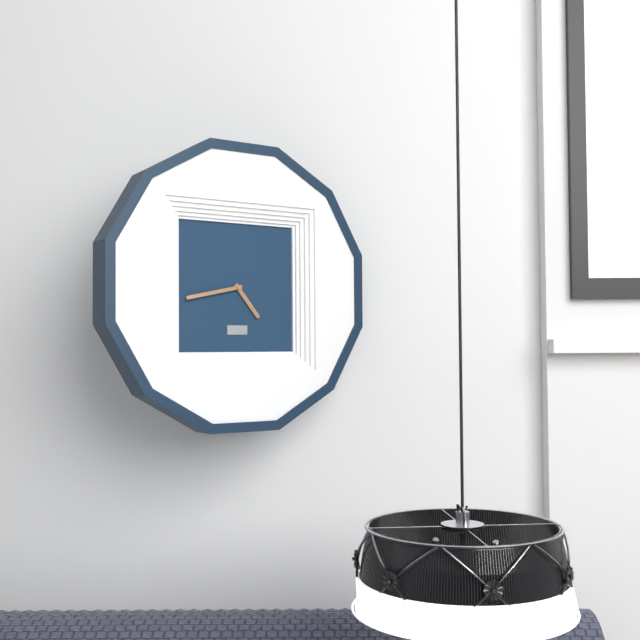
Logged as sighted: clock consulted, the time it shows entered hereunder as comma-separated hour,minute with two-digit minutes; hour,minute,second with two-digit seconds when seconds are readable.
4,43
